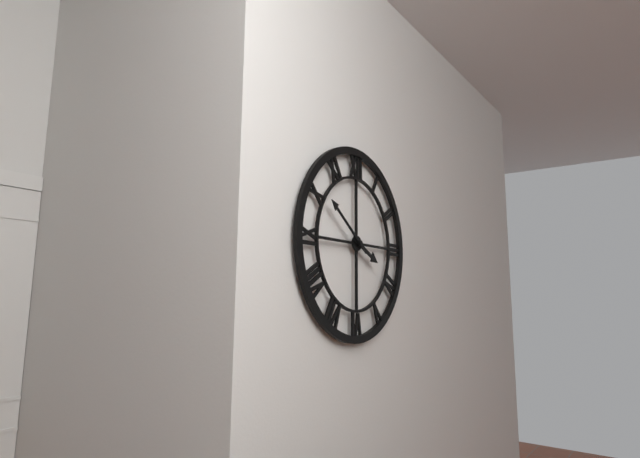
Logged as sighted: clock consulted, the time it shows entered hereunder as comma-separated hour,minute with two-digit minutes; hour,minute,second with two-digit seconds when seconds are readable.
3,51
